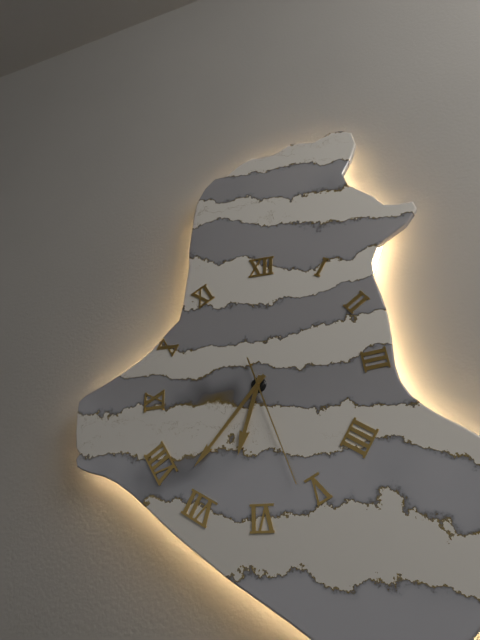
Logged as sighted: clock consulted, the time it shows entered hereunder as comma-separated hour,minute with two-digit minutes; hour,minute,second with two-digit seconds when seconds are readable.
6,37,27
